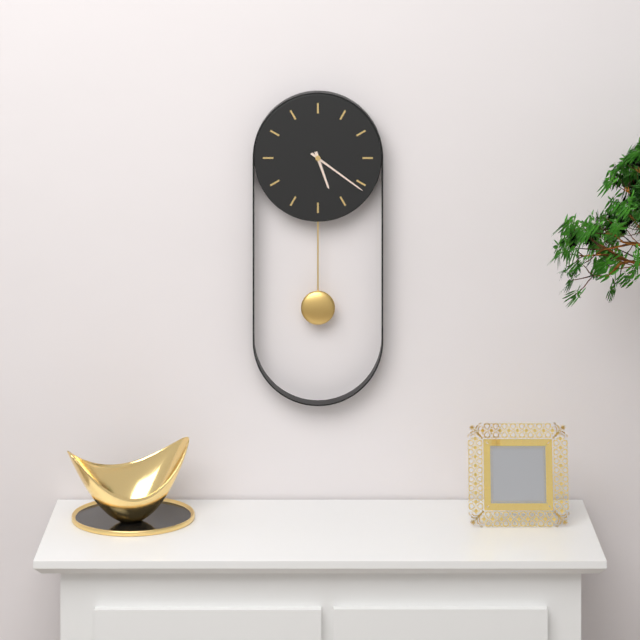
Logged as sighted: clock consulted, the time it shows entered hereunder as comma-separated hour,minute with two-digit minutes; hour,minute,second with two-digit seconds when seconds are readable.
5,21
